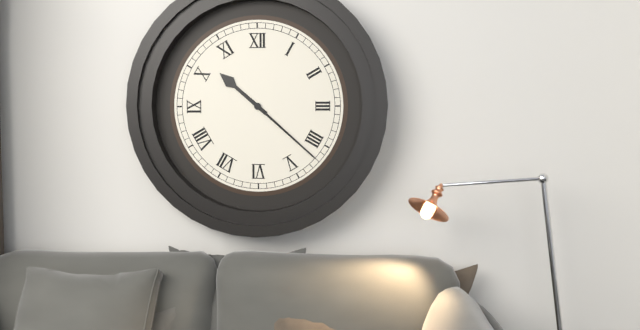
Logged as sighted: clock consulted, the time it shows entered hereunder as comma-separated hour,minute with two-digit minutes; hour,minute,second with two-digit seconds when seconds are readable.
10,22
